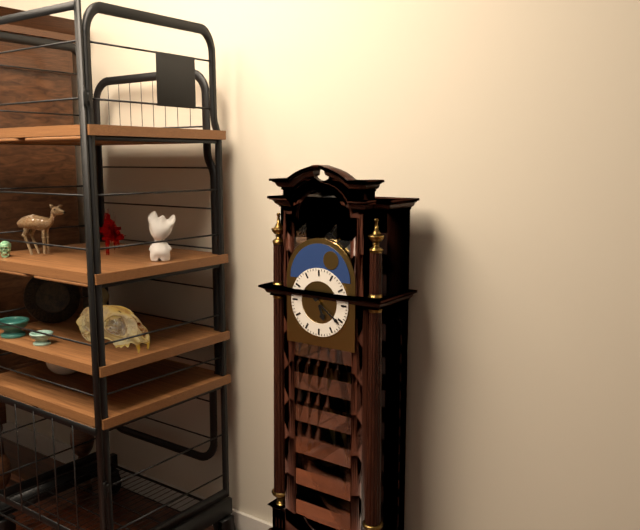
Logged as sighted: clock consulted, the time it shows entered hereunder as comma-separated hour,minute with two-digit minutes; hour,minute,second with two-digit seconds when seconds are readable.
5,21
